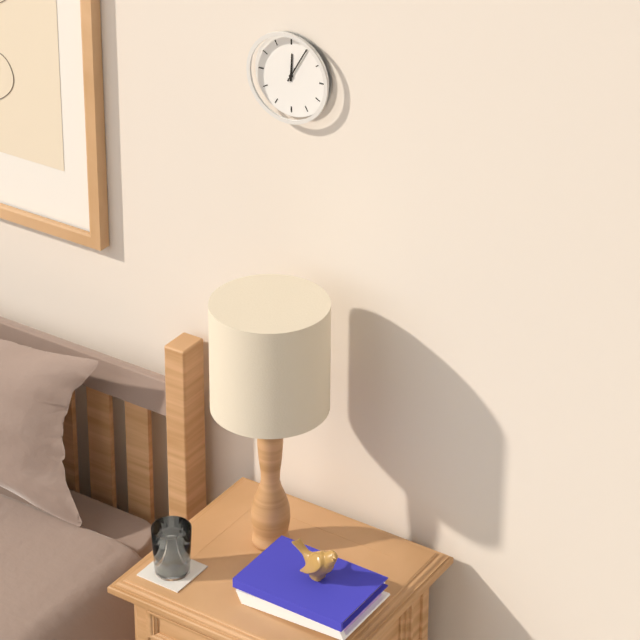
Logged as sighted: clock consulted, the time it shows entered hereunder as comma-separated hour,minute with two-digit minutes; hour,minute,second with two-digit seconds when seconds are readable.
12,05
